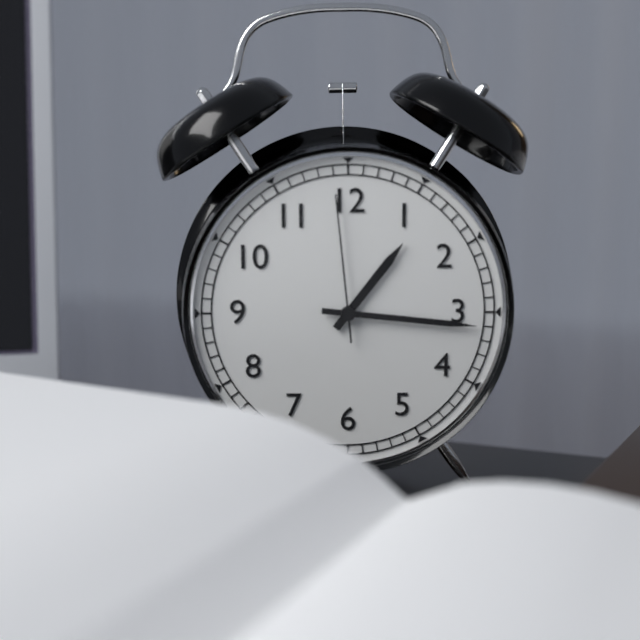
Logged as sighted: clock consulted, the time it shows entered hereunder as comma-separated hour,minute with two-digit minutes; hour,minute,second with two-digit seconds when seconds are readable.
1,16,59
